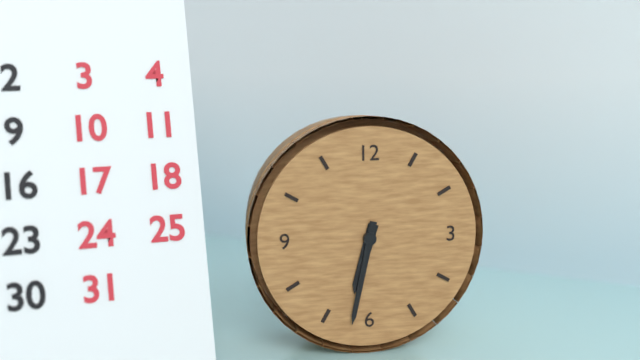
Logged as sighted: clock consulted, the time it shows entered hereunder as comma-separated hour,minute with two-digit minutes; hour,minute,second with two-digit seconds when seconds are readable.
6,32
